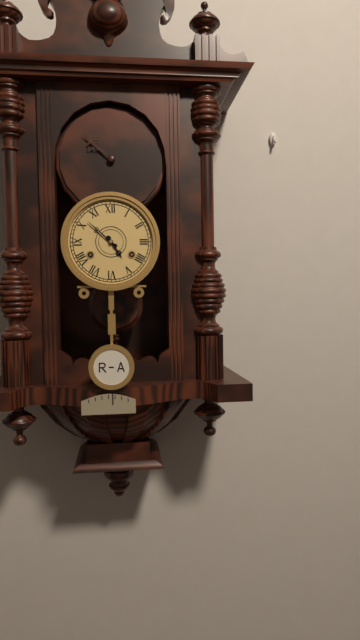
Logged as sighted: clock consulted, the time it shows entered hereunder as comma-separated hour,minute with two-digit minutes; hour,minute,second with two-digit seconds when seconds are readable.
4,52
